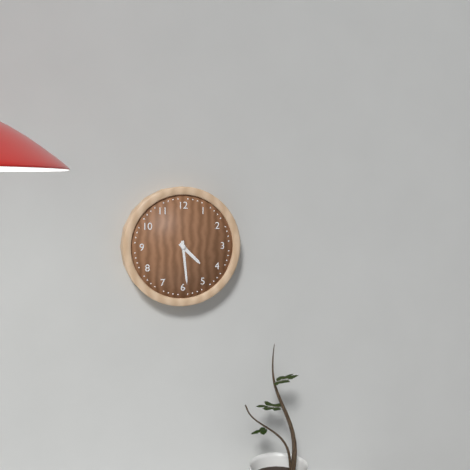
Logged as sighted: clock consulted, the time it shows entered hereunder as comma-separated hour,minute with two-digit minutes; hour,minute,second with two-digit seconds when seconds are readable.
4,29
